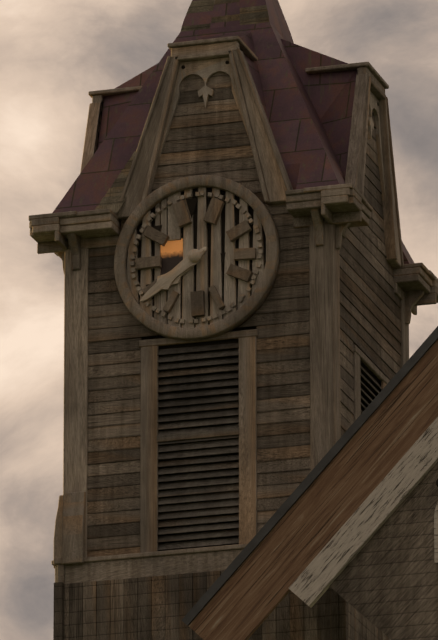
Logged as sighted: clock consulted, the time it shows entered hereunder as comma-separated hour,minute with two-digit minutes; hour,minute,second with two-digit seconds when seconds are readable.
7,39
